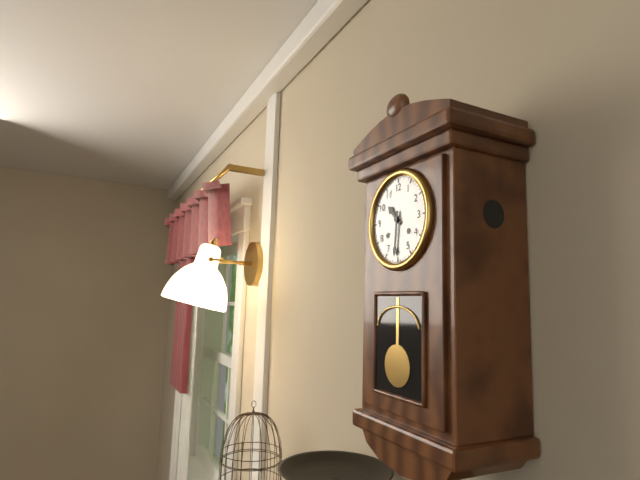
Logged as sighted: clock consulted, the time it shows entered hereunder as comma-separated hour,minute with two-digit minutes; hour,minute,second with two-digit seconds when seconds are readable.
10,31
